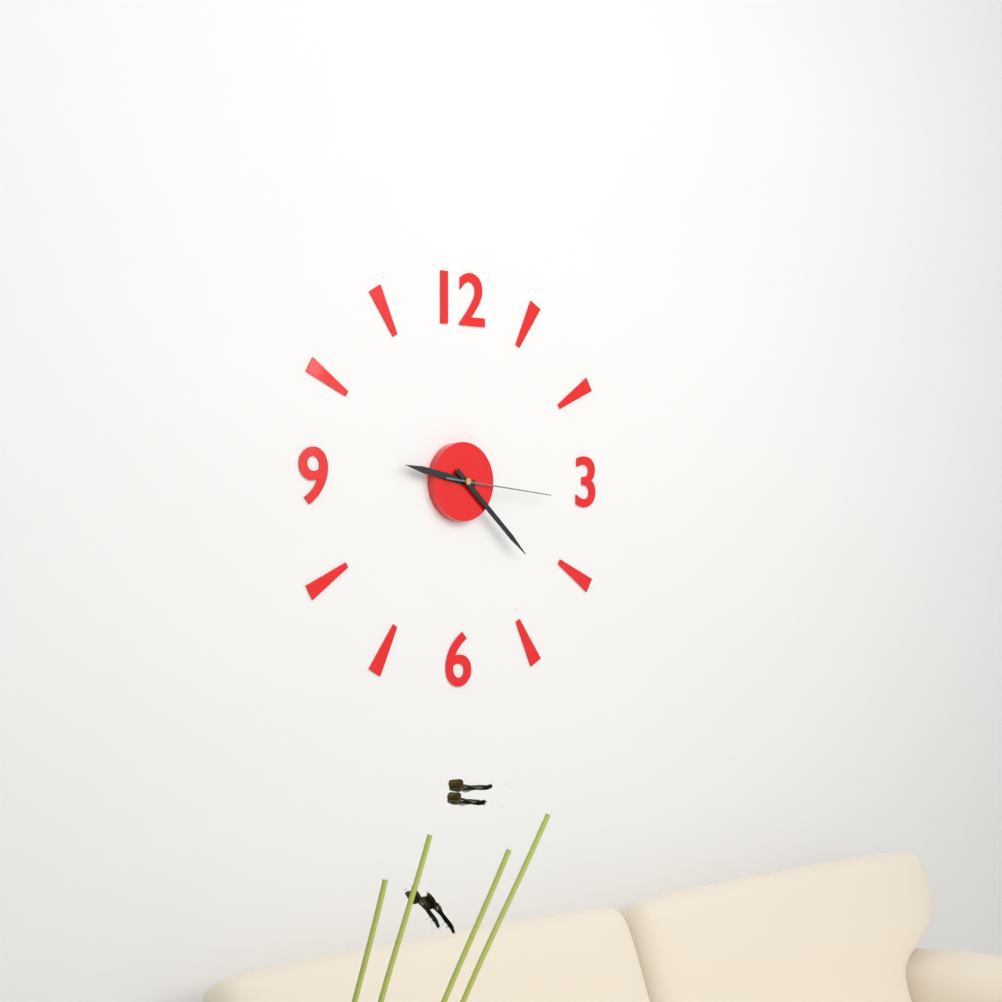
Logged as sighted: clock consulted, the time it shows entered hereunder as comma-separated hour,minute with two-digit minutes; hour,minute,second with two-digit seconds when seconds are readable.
9,22,16
